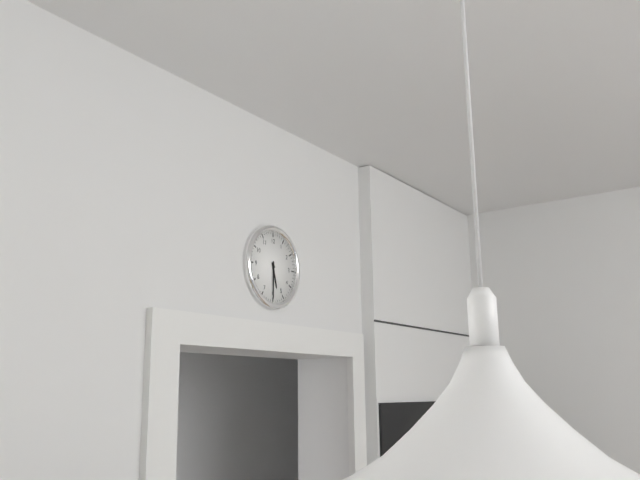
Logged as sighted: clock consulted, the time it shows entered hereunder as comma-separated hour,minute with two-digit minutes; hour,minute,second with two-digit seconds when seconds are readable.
5,30
